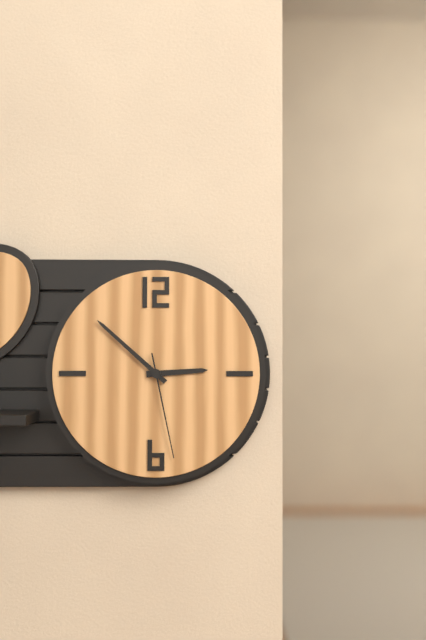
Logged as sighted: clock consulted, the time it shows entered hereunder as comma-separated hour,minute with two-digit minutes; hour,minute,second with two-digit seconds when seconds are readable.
2,52,28
